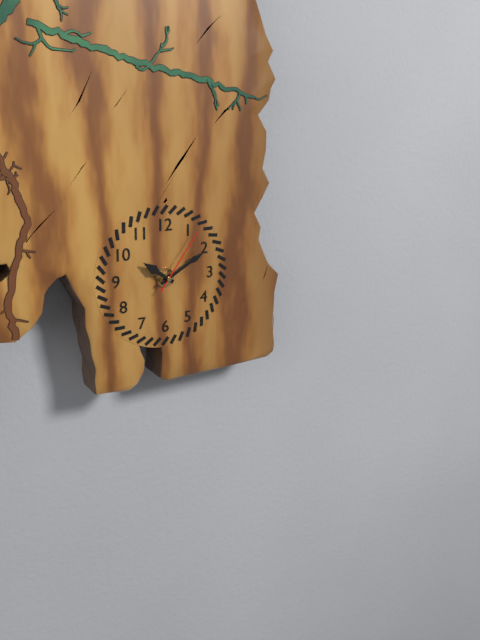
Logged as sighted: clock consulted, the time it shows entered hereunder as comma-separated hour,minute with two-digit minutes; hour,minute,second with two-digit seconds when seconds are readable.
10,10,06
